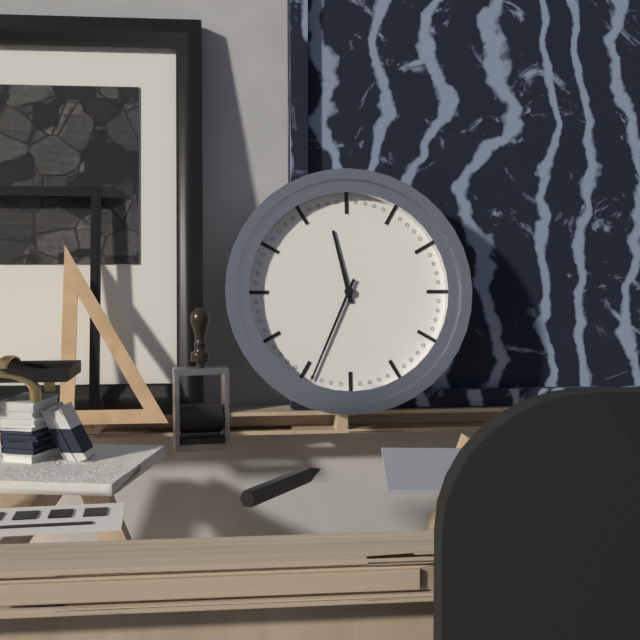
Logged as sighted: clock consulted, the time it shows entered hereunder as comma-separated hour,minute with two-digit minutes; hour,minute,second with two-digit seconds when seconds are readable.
11,34
